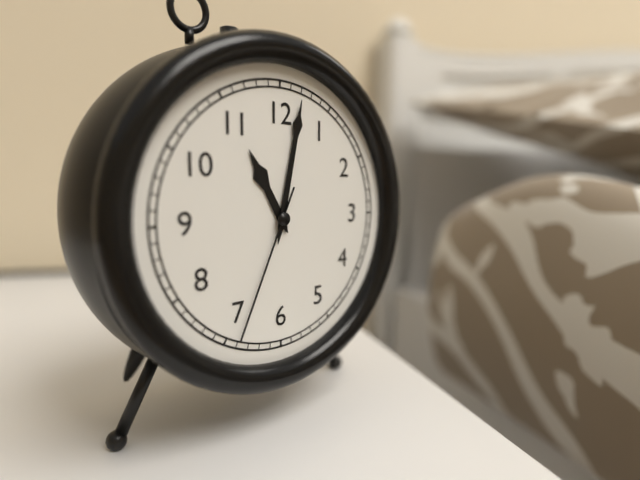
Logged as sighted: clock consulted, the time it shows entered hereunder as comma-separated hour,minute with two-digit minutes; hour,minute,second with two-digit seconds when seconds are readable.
11,02,34
